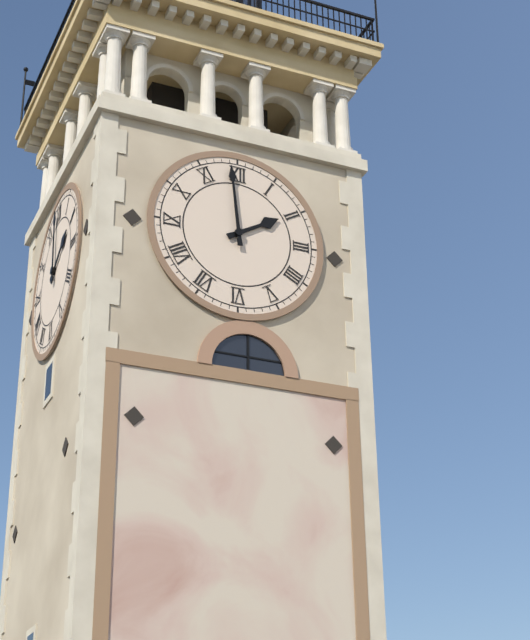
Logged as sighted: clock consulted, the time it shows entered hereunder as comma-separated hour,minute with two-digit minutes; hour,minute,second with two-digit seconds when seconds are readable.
1,59
